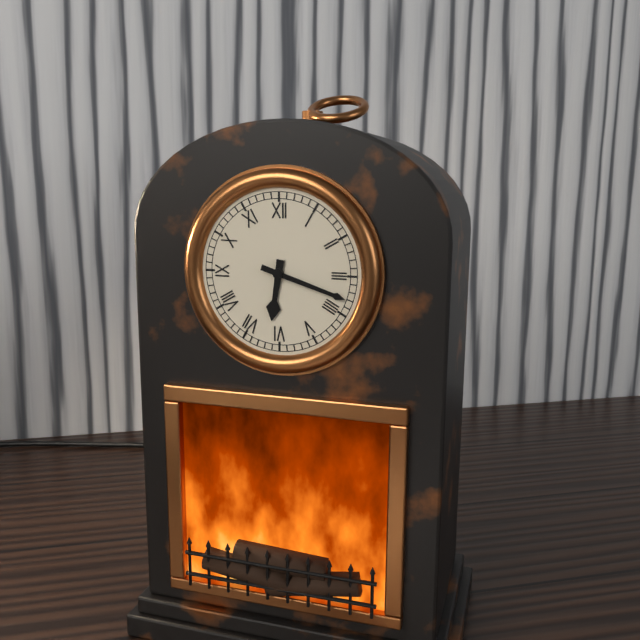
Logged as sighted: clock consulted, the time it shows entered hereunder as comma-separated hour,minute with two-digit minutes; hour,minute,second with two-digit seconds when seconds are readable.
6,18
